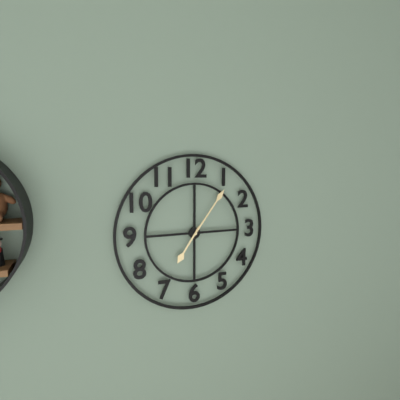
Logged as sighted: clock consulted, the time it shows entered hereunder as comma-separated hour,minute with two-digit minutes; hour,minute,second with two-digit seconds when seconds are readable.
7,06
